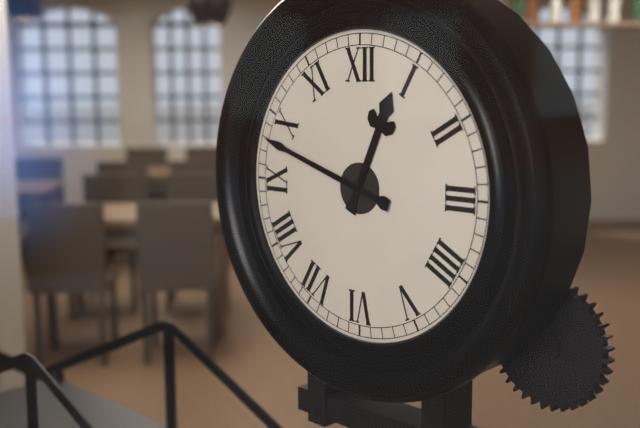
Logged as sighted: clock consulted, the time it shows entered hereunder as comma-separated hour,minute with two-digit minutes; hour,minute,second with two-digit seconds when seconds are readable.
12,48
